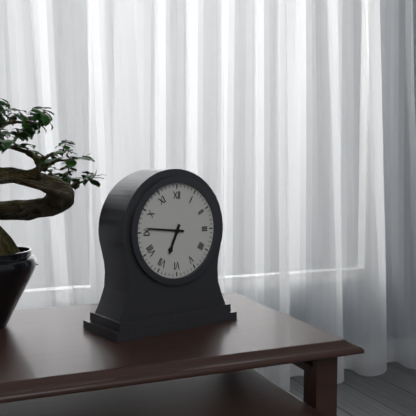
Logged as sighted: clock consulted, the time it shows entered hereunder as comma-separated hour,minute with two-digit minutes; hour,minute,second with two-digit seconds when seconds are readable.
6,46
